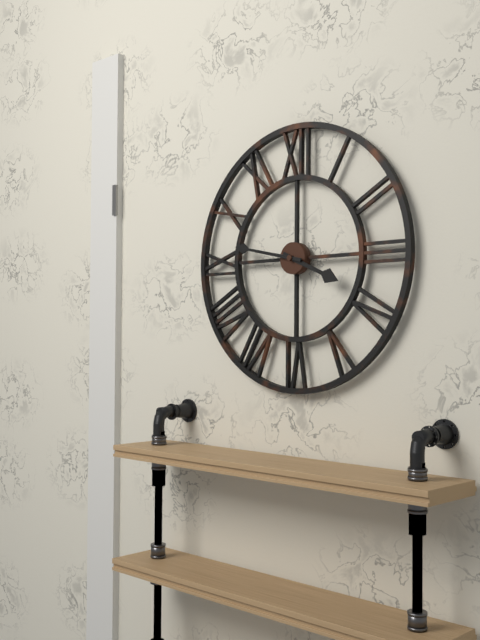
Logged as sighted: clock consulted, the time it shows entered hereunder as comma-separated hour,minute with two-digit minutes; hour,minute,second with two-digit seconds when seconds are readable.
3,47
